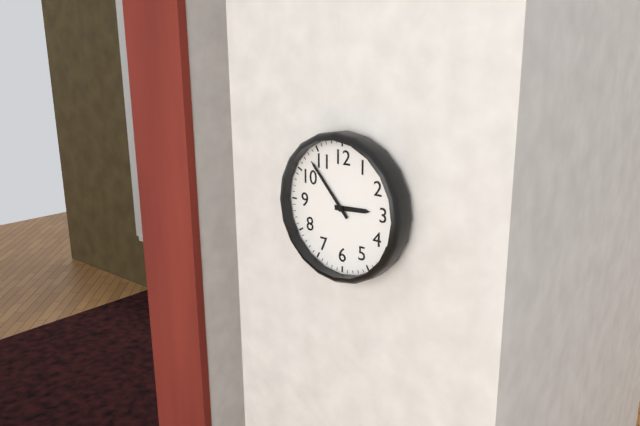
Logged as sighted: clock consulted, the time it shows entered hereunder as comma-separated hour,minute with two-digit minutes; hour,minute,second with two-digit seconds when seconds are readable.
2,53
